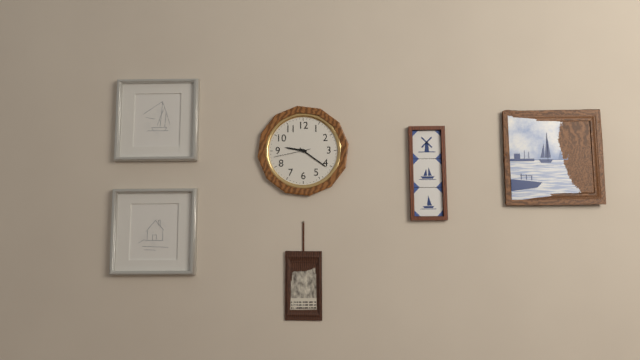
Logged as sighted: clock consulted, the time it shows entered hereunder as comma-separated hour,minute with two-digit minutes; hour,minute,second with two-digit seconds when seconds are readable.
9,21
